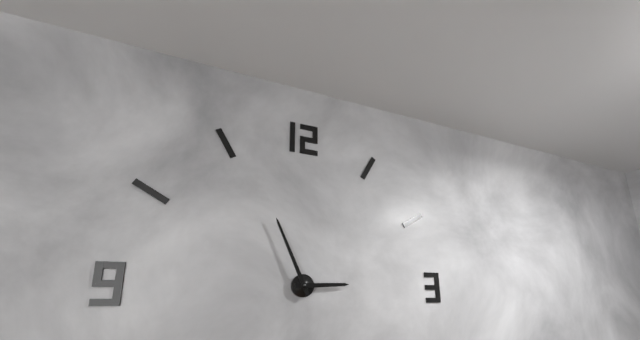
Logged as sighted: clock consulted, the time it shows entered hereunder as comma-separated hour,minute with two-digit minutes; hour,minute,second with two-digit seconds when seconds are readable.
2,56
